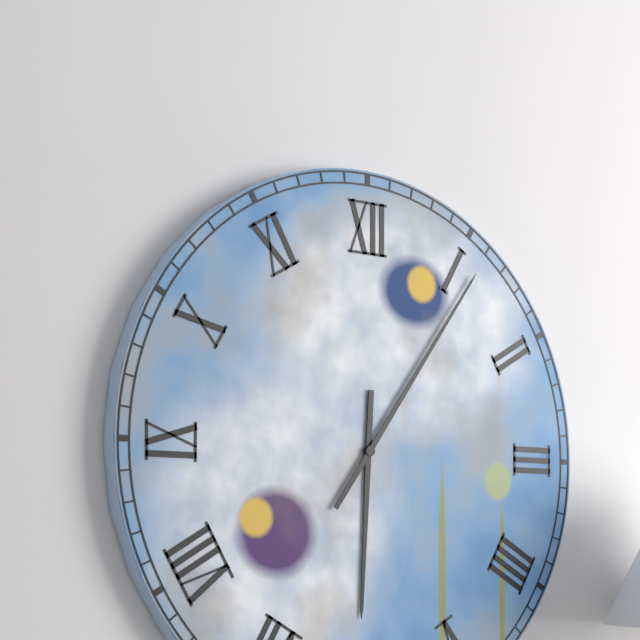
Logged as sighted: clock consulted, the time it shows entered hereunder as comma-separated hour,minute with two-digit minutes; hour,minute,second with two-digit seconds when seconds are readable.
6,06
